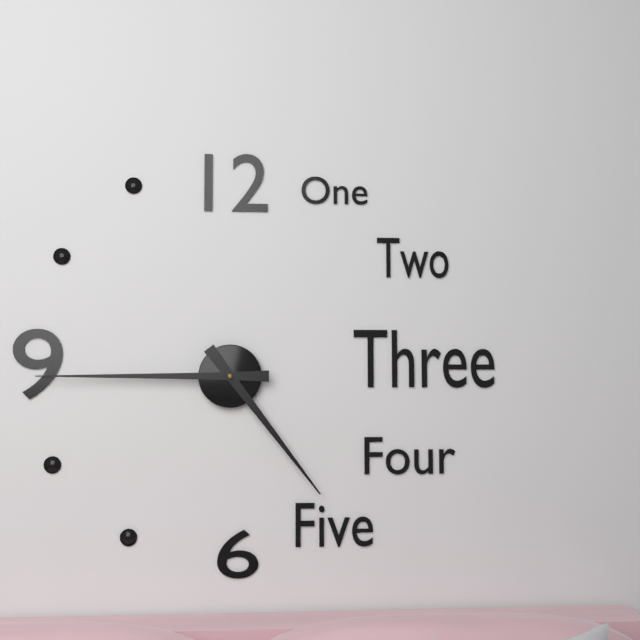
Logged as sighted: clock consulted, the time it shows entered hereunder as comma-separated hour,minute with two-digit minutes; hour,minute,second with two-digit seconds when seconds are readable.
4,45
